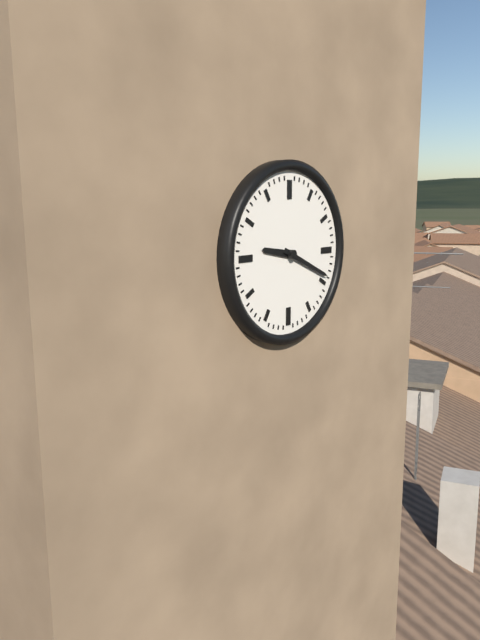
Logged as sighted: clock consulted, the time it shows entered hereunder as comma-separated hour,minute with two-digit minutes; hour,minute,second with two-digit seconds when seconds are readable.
9,19
